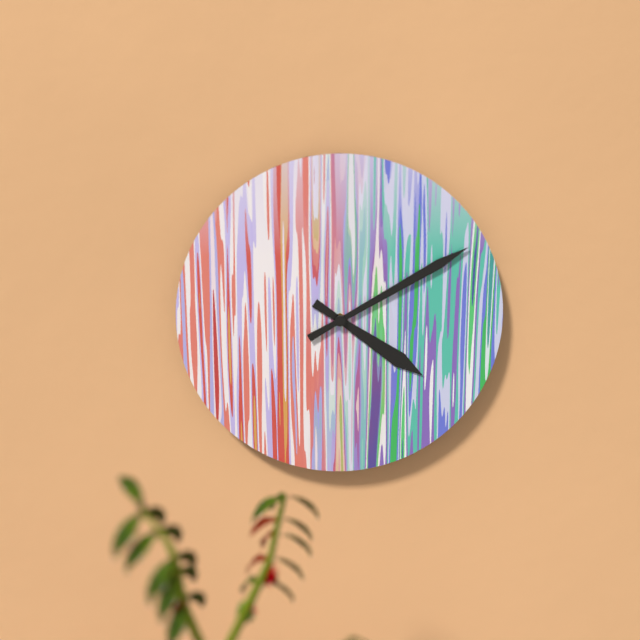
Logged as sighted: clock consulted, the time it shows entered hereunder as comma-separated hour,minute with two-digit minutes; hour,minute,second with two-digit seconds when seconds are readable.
4,10
